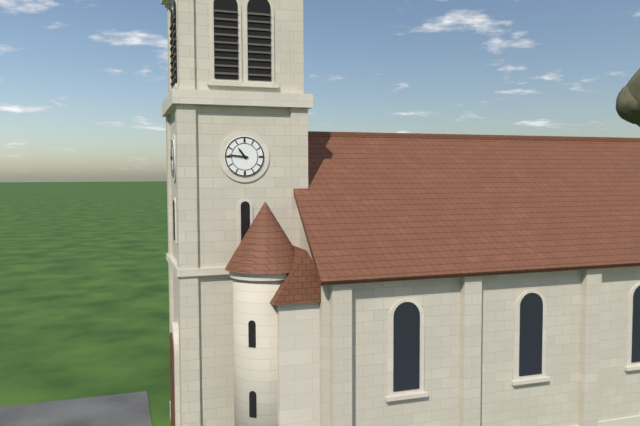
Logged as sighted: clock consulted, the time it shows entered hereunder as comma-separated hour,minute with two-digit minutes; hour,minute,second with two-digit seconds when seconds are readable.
10,46
